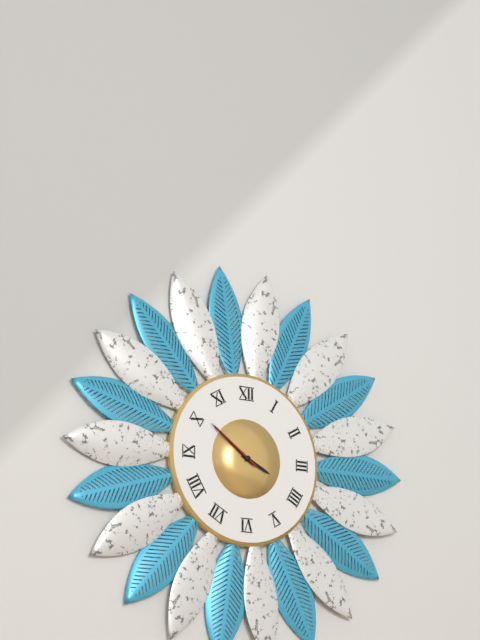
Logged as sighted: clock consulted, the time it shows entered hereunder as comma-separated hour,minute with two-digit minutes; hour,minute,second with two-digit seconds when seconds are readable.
3,51,51
